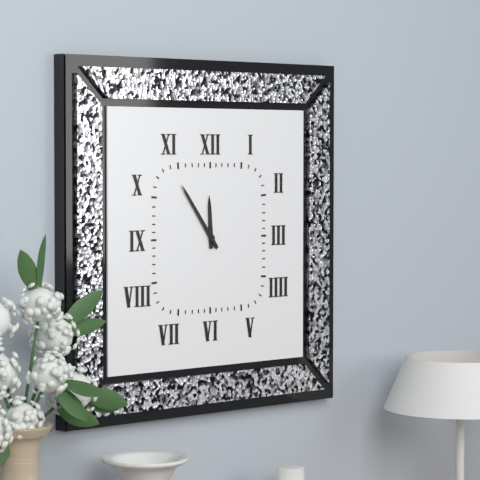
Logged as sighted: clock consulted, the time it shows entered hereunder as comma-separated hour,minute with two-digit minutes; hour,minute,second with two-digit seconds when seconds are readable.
11,54
